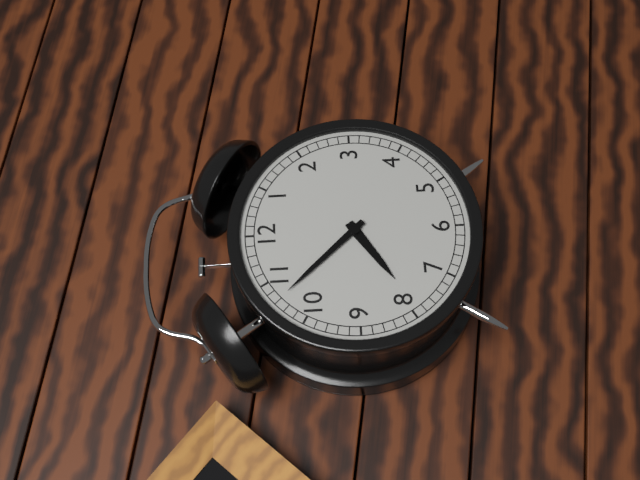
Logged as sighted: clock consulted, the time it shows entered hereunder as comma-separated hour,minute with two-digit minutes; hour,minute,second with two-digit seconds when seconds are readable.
7,53
